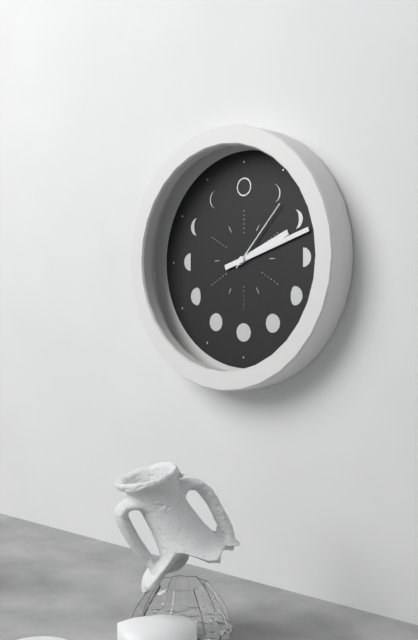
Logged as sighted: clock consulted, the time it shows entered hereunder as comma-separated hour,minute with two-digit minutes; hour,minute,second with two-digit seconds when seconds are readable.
2,12,07
